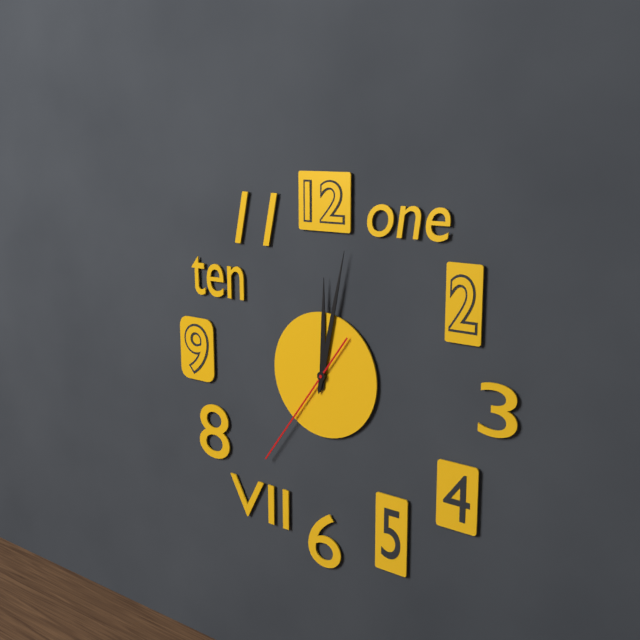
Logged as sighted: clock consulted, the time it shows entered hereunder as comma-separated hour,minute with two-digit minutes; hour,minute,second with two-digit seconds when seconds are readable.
12,02,36
